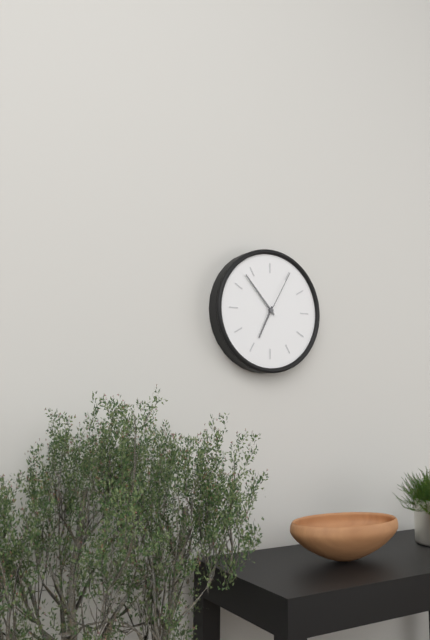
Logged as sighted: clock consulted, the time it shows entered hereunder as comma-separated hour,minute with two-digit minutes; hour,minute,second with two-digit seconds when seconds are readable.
6,53,05
